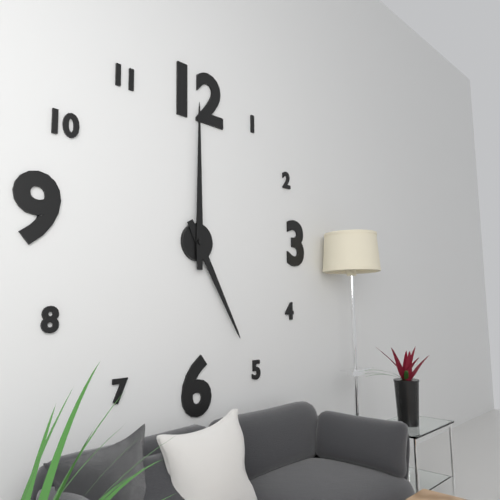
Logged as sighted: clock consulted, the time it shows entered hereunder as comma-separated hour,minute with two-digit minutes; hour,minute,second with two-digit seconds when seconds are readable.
5,00
